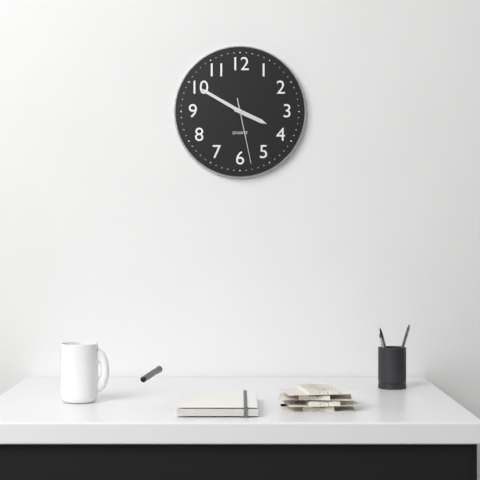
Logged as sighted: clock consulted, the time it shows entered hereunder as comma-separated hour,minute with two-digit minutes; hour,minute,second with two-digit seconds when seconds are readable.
3,50,28
